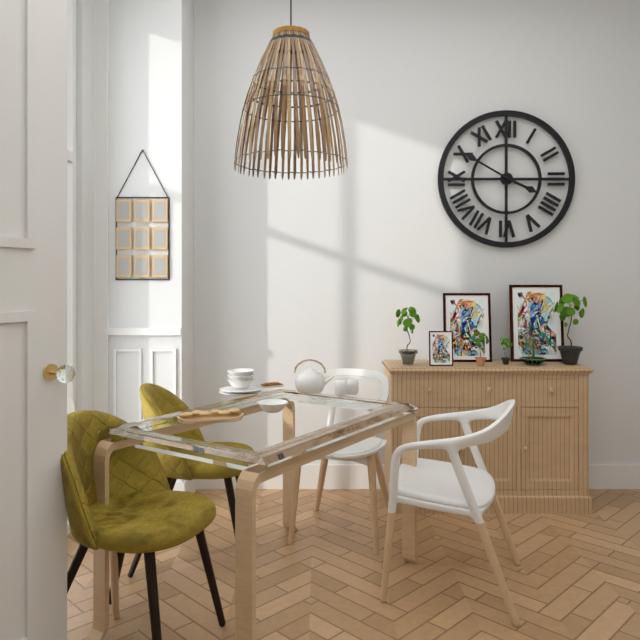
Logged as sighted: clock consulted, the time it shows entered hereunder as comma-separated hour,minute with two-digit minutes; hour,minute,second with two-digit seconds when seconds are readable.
3,50
